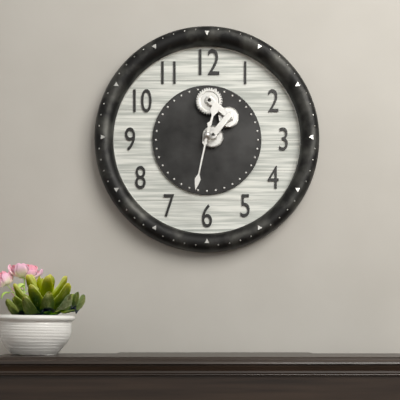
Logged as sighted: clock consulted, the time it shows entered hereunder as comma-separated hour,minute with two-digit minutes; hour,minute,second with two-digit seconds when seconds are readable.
12,32
